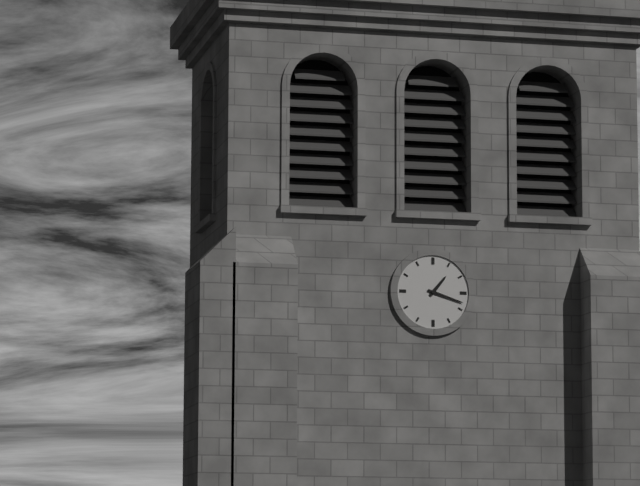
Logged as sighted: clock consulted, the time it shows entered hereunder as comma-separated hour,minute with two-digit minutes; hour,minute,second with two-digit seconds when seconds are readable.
1,18
